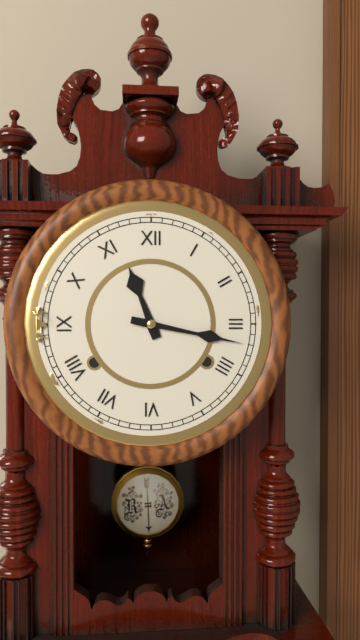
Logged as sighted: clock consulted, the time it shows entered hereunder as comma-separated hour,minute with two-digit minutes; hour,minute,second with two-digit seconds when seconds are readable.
11,17
